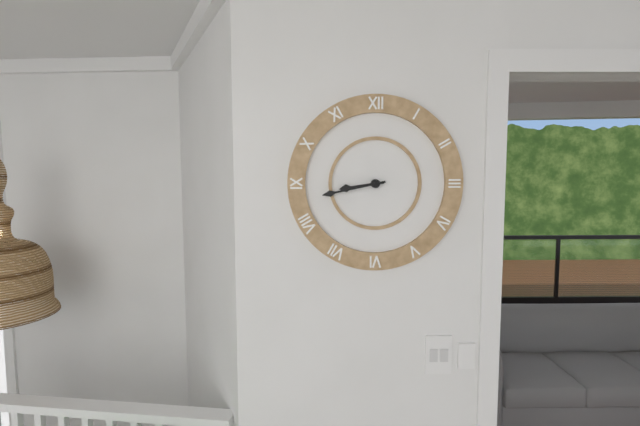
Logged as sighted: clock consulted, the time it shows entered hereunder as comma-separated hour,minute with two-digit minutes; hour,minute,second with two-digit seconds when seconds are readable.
8,43
